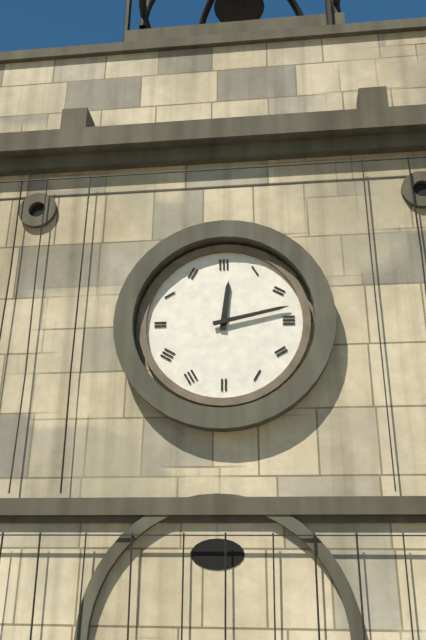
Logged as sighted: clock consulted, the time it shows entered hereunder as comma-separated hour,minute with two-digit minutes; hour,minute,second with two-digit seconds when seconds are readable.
12,13
